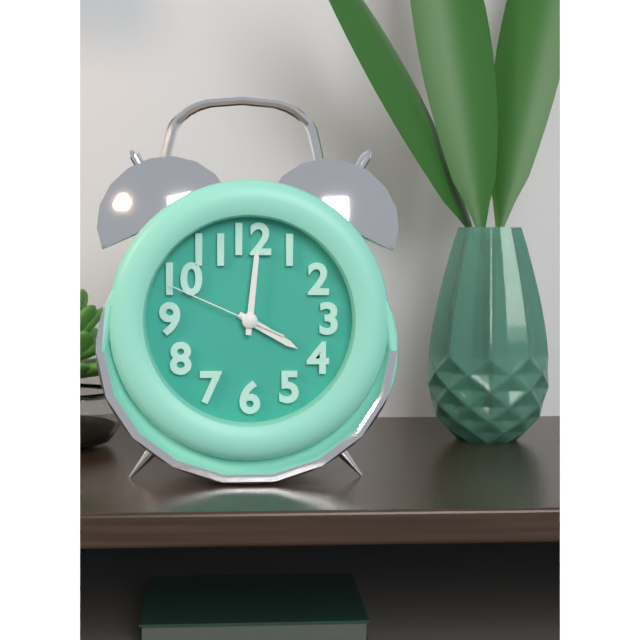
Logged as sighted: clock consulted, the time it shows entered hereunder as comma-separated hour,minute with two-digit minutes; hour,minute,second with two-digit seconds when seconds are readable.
4,01,49
